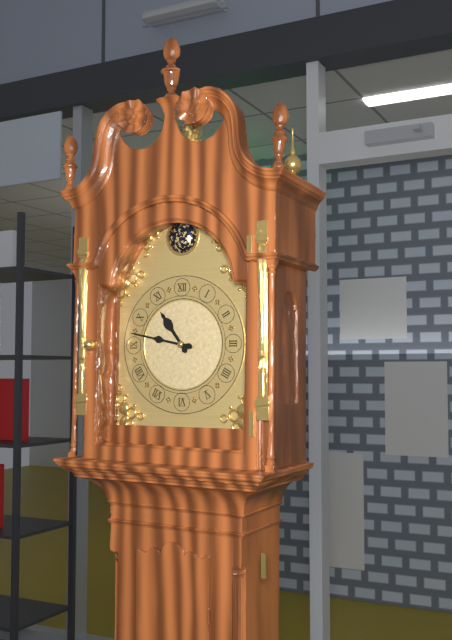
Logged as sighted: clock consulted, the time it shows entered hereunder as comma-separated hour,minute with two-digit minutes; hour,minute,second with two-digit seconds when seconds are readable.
10,47
